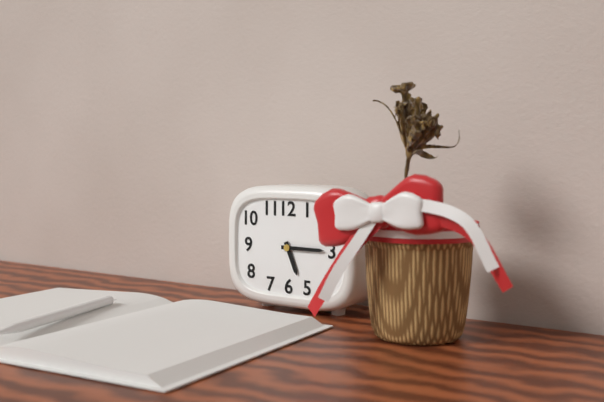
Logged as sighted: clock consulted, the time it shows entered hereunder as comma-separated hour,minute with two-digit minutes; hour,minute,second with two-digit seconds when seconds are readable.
5,15
